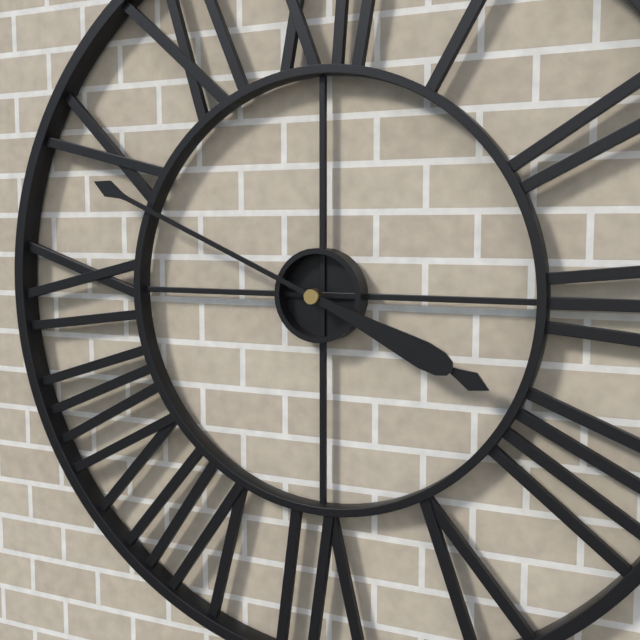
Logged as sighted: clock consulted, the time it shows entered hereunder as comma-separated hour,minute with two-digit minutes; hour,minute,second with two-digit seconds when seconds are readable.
3,49
